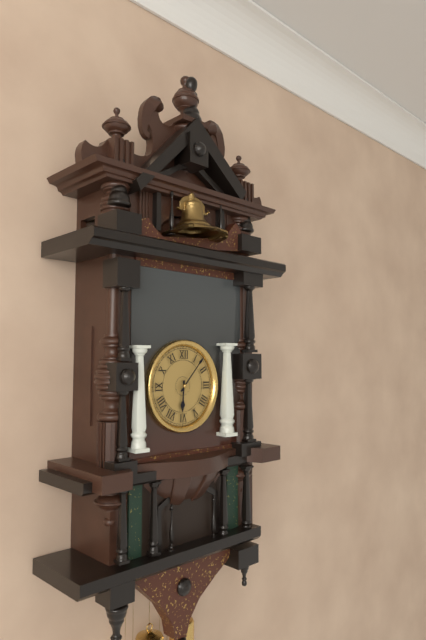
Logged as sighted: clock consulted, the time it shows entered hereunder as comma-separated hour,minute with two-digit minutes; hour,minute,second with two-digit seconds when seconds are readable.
6,07
